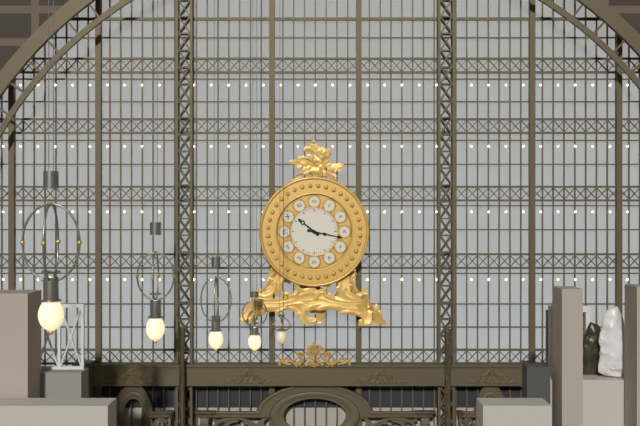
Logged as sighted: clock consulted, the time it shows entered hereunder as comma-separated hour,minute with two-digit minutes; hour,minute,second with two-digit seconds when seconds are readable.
10,17
